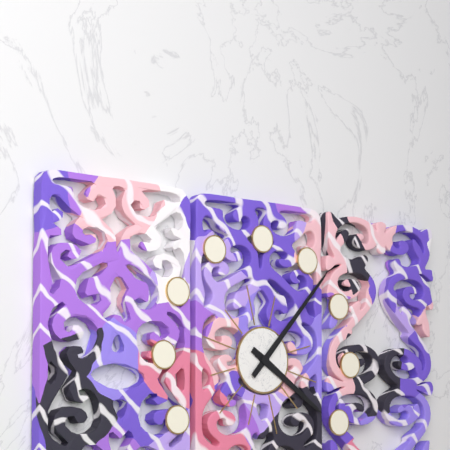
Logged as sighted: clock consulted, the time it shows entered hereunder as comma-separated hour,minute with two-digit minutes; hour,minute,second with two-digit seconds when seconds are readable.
4,07
